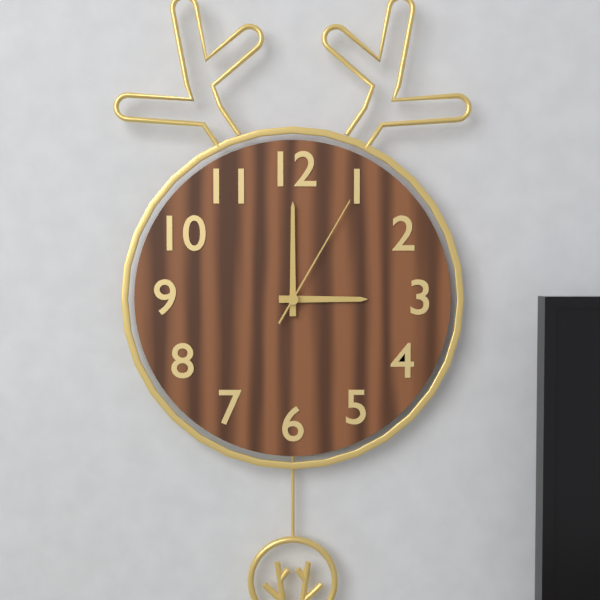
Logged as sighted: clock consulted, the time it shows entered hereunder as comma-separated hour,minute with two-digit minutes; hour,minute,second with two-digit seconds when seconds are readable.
3,00,05
